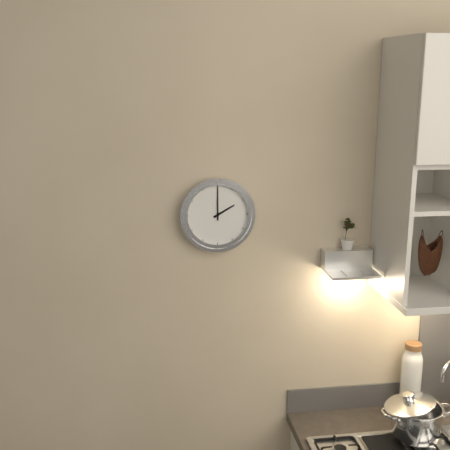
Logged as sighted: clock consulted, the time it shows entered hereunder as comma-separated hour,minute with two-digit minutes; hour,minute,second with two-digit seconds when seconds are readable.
2,00
